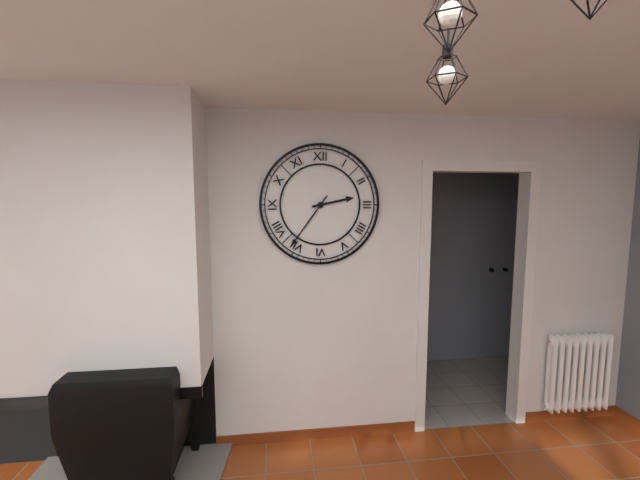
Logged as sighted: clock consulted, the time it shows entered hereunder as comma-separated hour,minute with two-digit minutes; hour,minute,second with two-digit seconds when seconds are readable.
2,36
